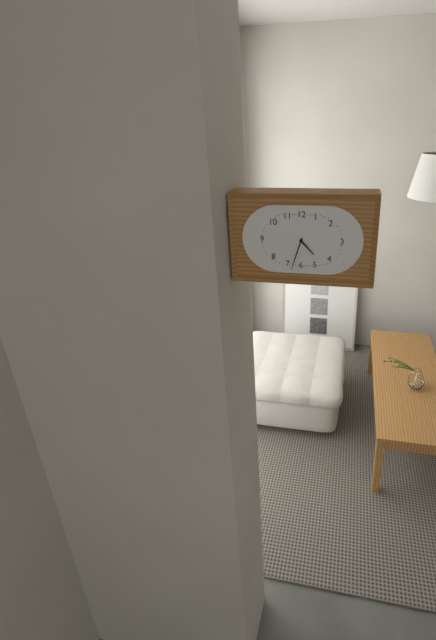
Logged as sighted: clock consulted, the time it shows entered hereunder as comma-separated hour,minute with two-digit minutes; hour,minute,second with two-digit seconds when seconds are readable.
4,33
